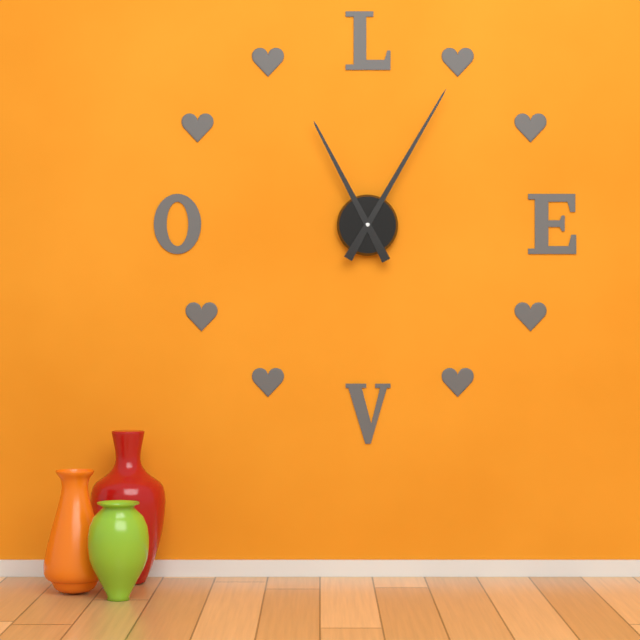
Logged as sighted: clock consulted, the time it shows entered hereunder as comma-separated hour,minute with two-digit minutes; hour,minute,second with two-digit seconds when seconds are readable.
11,05
